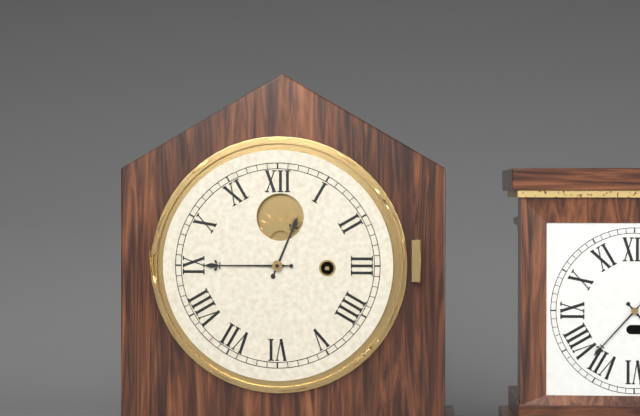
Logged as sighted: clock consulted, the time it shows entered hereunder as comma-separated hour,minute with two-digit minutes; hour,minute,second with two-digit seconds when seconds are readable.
12,45
